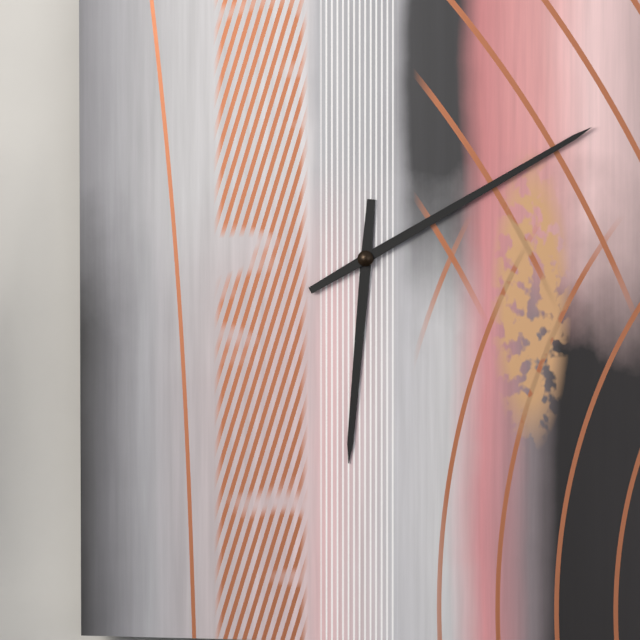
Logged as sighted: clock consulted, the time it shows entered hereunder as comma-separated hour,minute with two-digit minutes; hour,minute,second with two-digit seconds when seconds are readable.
6,10
